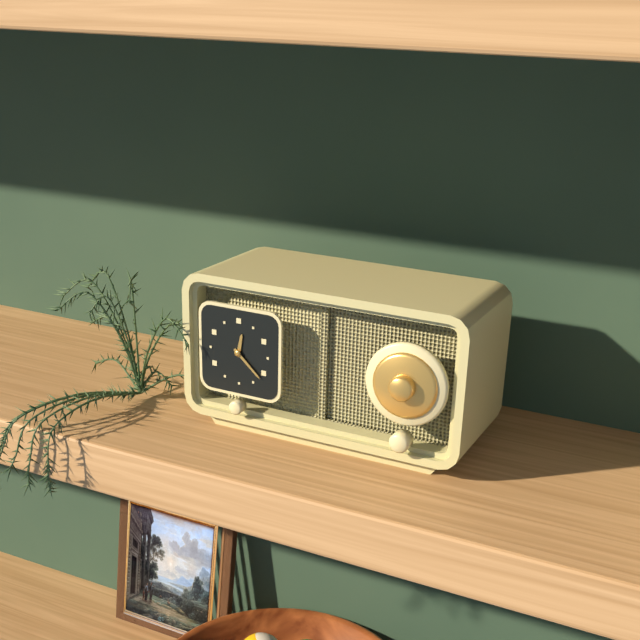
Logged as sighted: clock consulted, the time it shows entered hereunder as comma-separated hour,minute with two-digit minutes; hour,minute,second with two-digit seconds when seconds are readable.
12,22
